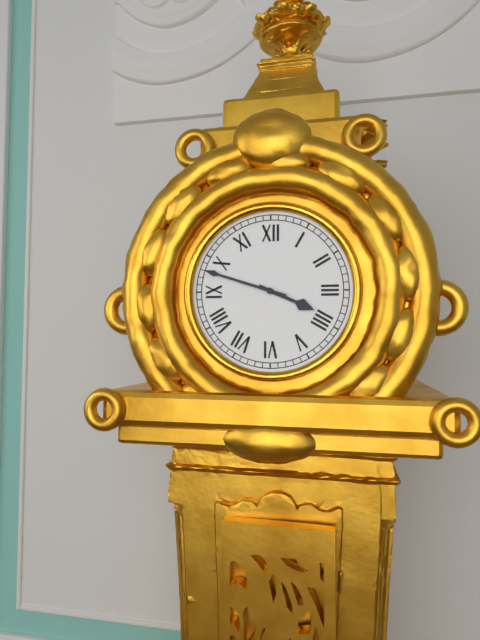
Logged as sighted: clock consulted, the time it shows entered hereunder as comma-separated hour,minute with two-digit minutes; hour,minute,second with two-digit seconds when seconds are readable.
3,48
